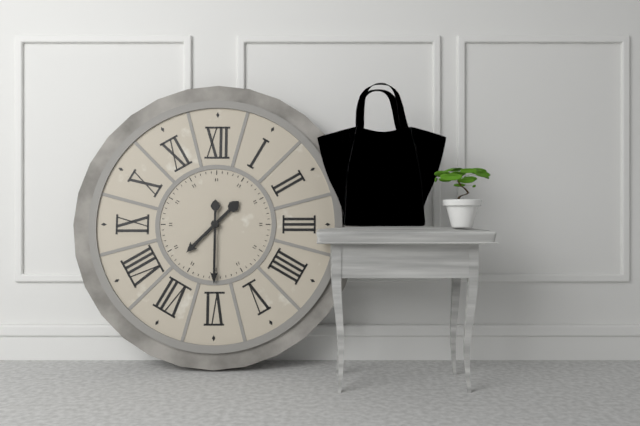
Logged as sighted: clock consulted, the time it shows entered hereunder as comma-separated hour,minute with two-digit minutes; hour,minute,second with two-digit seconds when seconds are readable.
7,30
